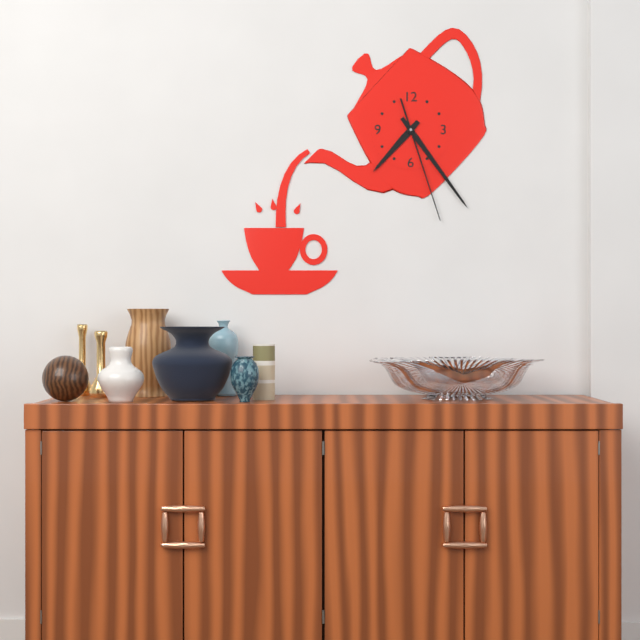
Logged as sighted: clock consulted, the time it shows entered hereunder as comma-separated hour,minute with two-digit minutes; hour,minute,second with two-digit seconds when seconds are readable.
7,24,27
